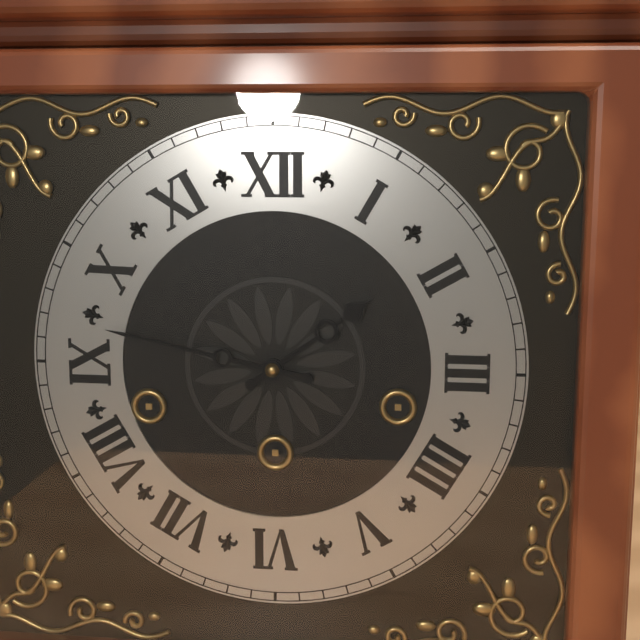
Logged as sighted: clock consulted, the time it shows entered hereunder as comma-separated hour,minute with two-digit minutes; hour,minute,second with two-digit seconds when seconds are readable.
1,47
